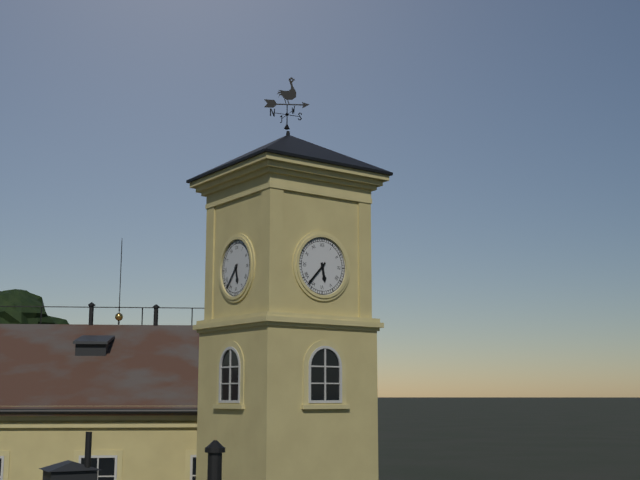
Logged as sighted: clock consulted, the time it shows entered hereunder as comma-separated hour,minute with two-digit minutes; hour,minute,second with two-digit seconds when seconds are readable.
5,37
